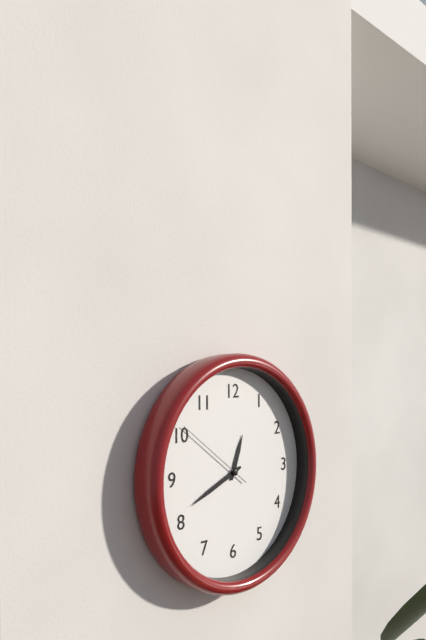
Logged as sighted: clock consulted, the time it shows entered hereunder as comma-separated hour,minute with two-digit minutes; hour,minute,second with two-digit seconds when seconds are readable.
12,41,51
